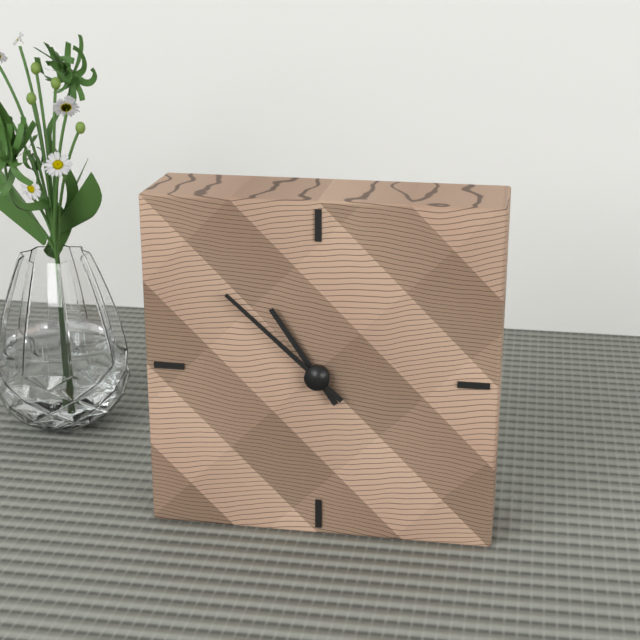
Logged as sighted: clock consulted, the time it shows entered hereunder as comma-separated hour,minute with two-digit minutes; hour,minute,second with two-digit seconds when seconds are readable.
10,52
